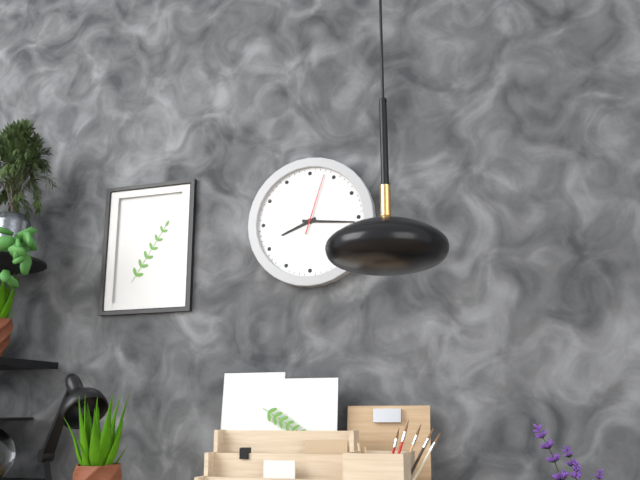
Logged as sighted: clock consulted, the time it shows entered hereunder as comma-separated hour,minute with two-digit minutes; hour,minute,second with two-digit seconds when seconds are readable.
8,16,03
